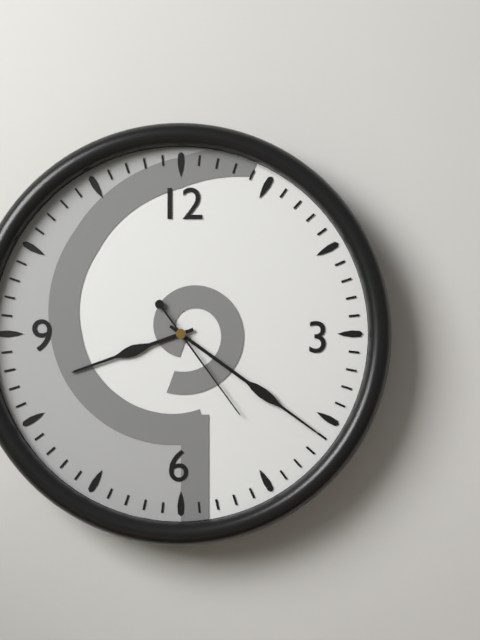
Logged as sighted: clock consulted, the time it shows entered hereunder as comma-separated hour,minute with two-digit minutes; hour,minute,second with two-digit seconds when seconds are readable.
8,21,24
